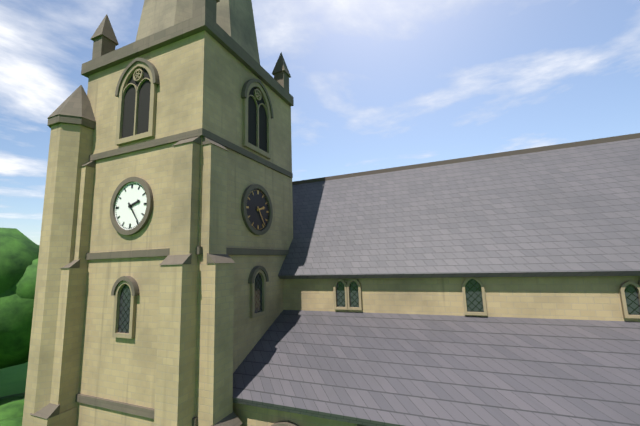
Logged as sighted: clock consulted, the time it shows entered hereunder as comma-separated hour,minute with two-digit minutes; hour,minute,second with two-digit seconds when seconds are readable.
2,24
